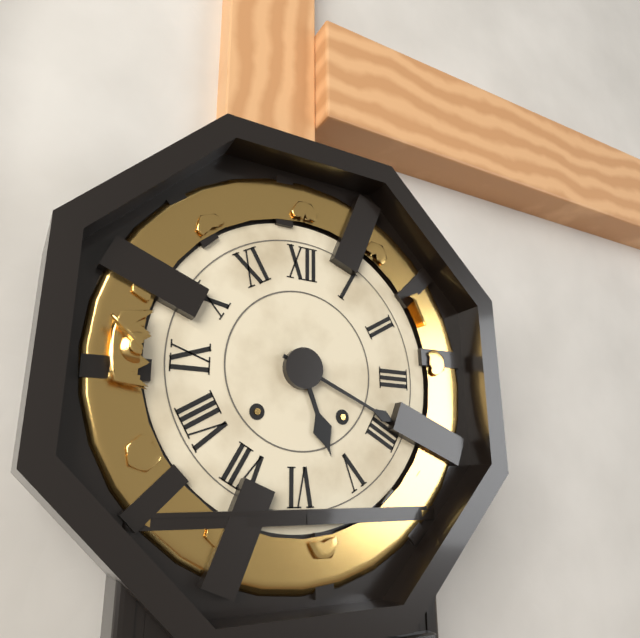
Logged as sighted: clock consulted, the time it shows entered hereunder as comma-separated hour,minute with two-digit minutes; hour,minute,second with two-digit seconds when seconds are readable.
5,19
